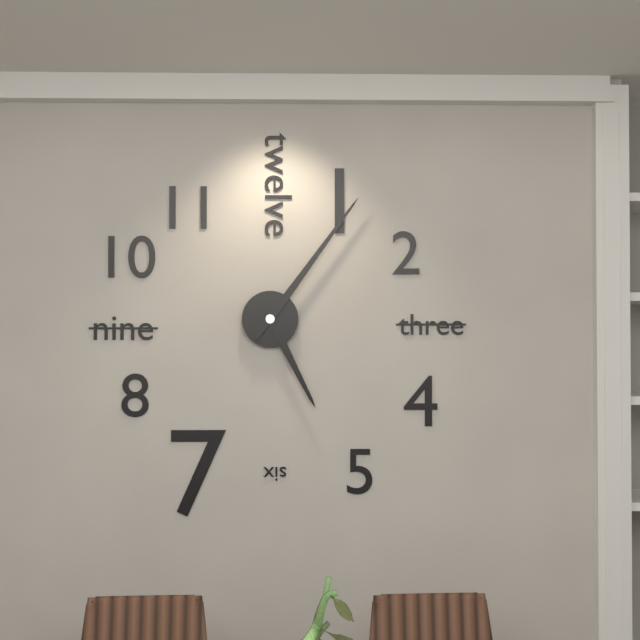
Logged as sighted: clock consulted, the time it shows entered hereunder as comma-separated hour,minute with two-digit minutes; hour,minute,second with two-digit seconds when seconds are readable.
5,06
